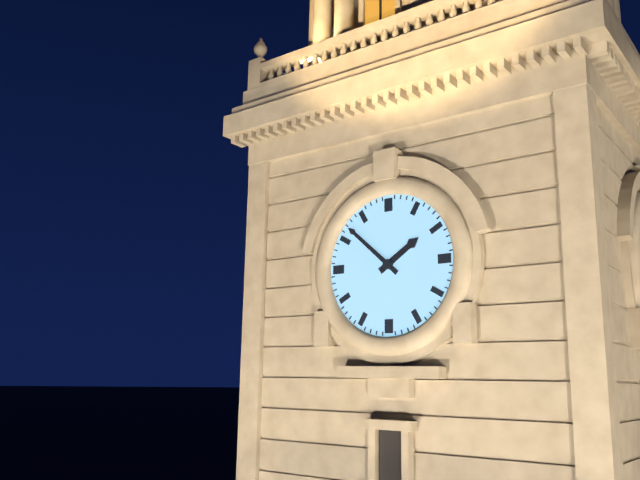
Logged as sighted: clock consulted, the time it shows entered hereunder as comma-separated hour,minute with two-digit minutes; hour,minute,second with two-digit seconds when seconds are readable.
1,52
